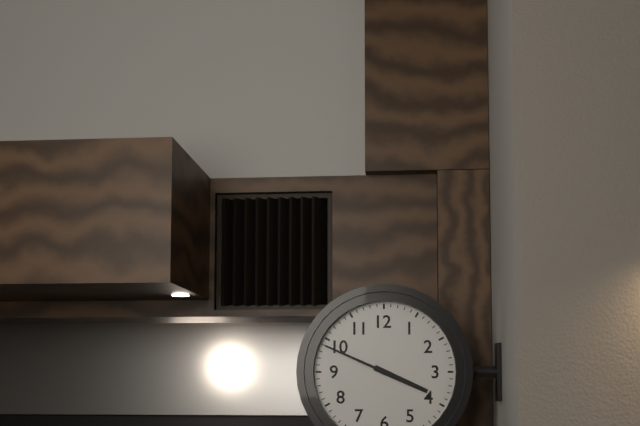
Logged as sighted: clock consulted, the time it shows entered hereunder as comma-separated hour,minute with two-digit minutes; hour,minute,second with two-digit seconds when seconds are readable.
3,49
